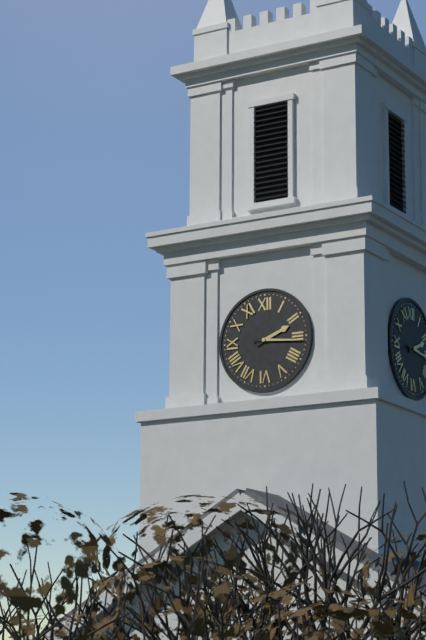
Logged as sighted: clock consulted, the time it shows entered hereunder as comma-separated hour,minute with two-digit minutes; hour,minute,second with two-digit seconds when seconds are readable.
2,16
